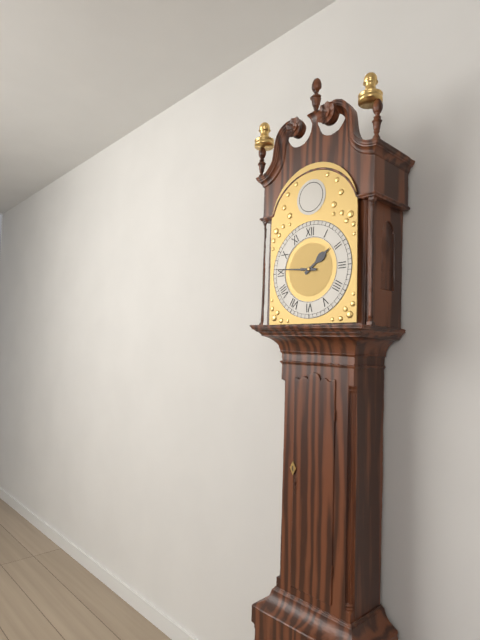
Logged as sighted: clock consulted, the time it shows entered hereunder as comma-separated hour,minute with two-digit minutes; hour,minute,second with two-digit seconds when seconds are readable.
1,46
